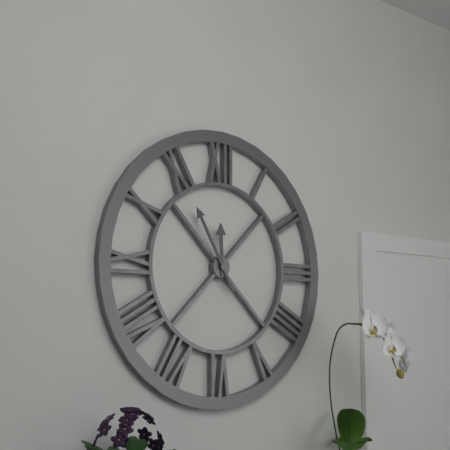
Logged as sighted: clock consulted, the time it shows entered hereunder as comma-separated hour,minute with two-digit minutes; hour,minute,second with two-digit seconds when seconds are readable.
11,55
